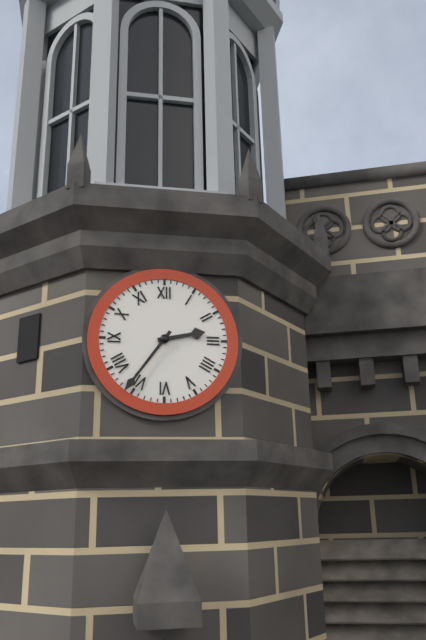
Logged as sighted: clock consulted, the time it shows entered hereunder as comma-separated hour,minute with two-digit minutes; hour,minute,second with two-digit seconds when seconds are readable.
2,36
